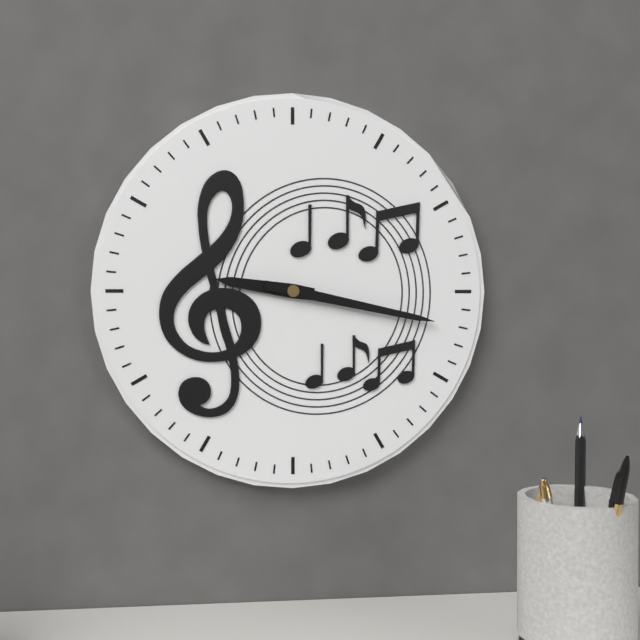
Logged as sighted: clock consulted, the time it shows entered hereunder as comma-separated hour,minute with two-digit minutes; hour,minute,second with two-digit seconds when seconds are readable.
9,17
